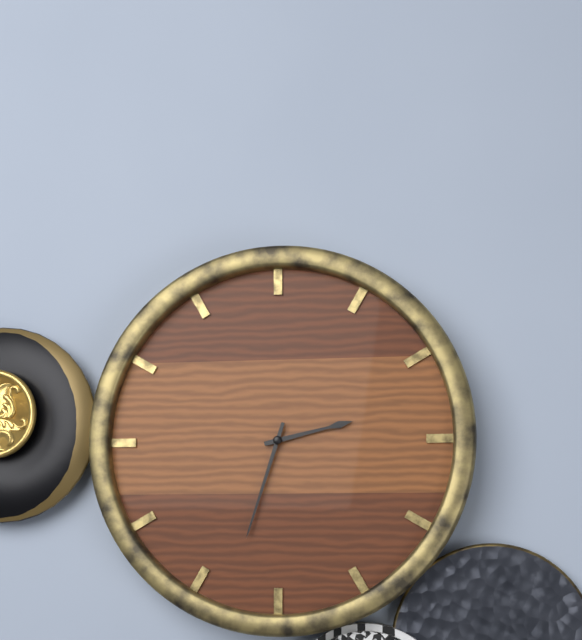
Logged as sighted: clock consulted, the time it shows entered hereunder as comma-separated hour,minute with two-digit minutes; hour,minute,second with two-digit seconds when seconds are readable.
2,33
